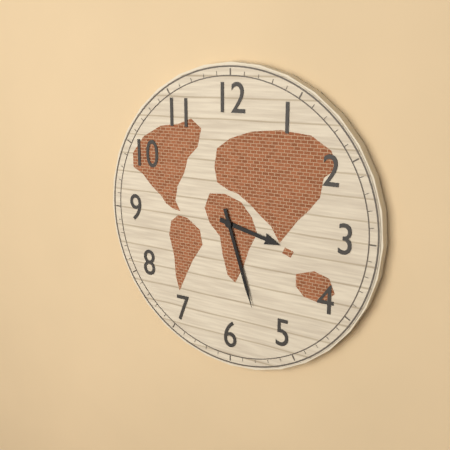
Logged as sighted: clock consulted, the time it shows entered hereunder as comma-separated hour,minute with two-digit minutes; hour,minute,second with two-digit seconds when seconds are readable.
3,27
